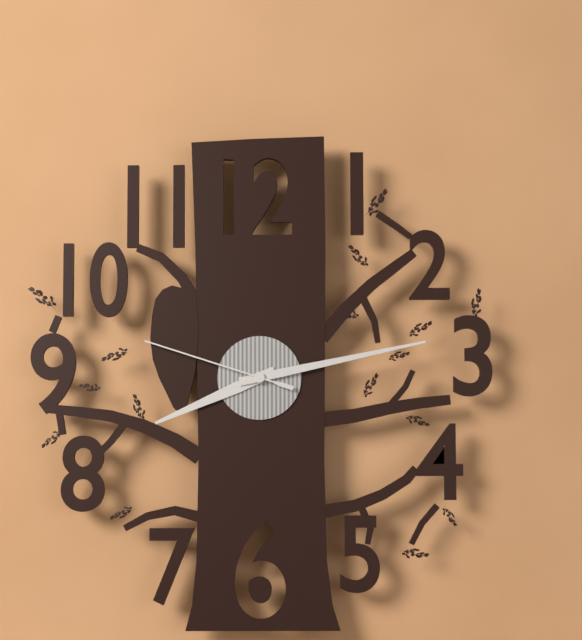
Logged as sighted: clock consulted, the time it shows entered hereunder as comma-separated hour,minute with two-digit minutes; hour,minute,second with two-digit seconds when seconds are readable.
8,13,48
